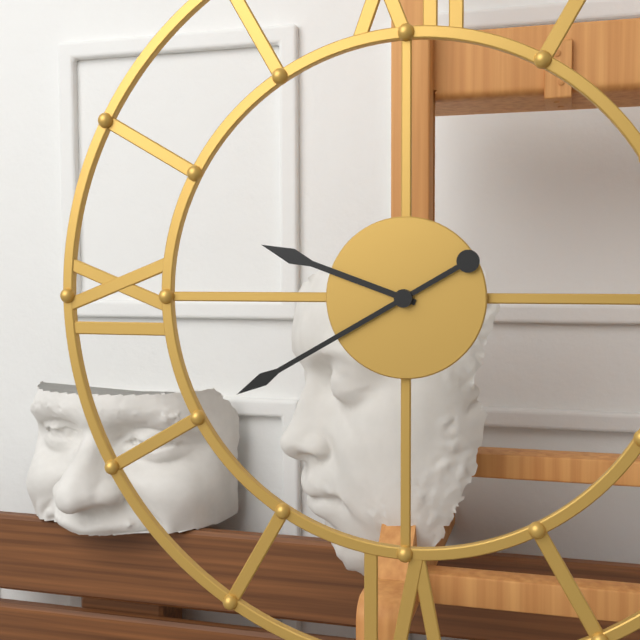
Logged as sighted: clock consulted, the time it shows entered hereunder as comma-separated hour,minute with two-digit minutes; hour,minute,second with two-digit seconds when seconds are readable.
9,40
